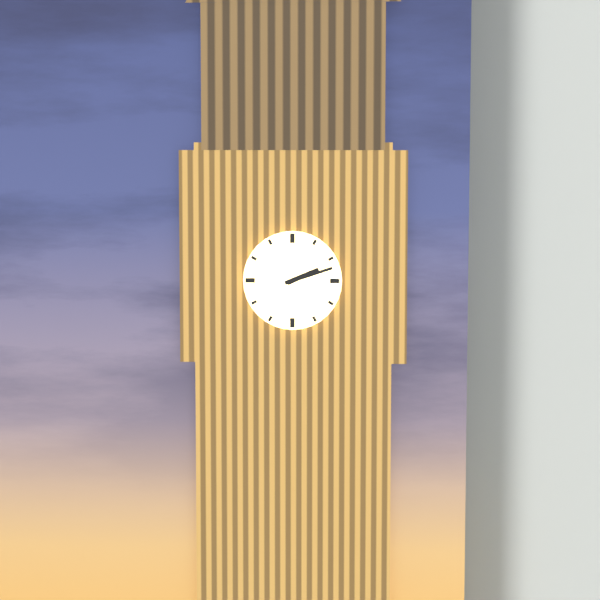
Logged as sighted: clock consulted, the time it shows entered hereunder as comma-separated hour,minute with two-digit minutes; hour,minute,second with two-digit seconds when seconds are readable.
2,12
